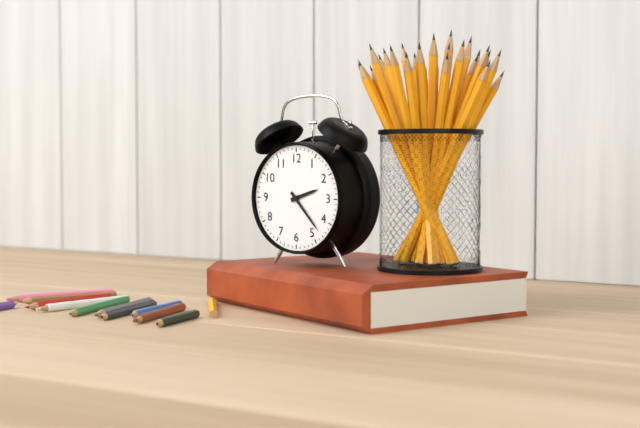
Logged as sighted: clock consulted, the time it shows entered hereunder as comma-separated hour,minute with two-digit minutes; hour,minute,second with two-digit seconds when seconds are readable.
2,23
